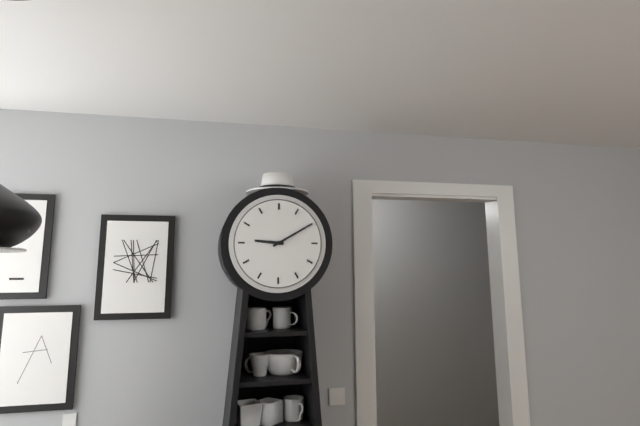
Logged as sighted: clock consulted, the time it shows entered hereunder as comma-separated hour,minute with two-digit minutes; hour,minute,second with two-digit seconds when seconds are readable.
9,10
